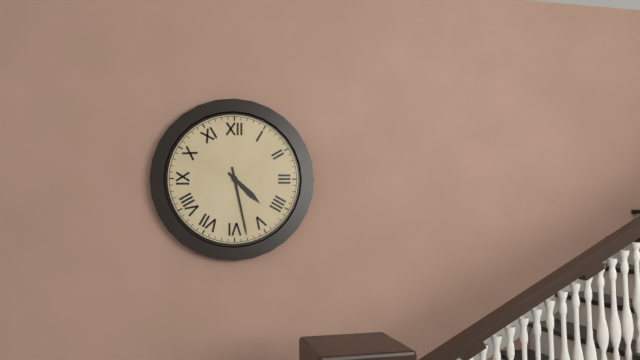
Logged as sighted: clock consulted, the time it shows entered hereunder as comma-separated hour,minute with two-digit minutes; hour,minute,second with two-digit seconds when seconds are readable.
4,28
